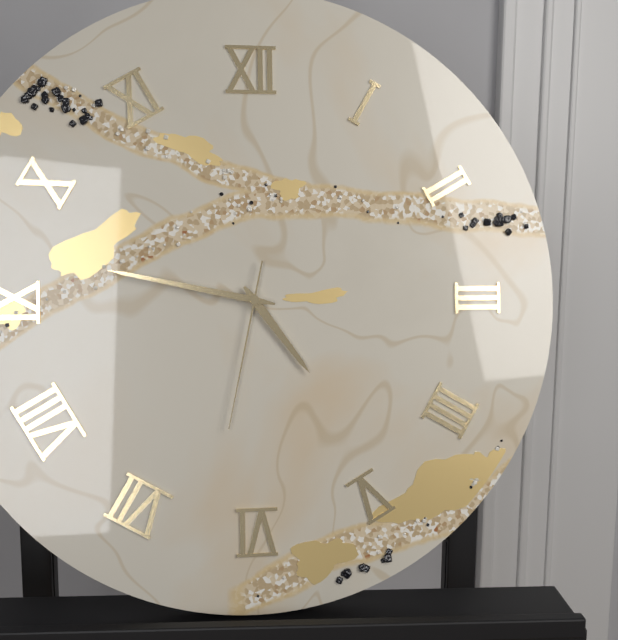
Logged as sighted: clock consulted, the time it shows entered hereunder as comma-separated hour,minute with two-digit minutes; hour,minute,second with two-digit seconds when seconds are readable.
4,47,32
